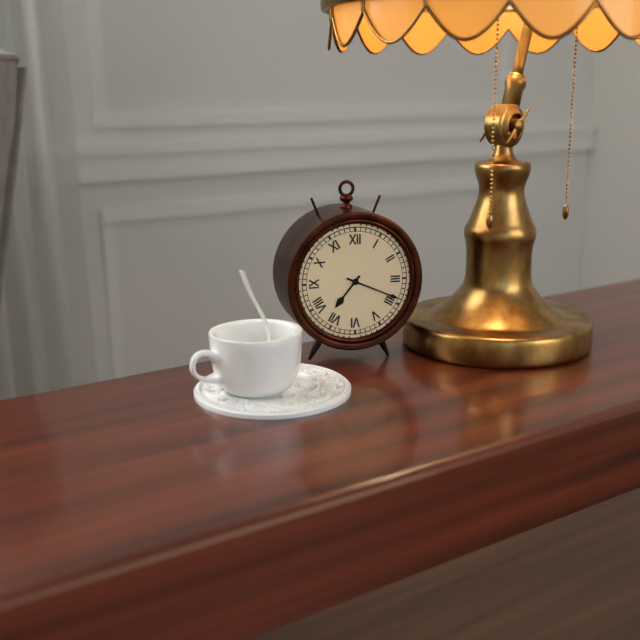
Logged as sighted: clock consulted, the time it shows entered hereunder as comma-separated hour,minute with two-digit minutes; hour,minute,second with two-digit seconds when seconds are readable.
7,19
